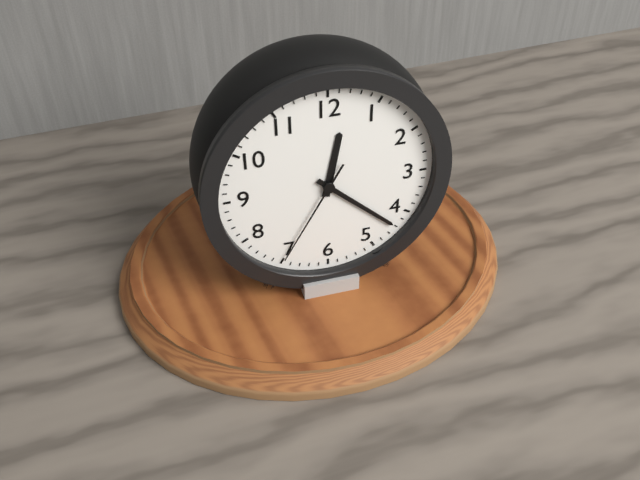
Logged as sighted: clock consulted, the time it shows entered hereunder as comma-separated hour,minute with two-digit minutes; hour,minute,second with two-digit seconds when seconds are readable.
12,22,35
